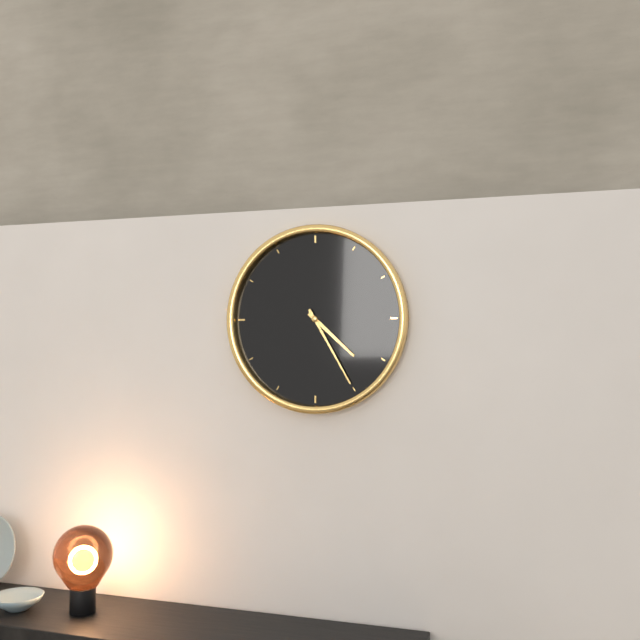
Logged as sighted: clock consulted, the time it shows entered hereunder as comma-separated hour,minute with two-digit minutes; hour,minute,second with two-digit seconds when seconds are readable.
4,25
